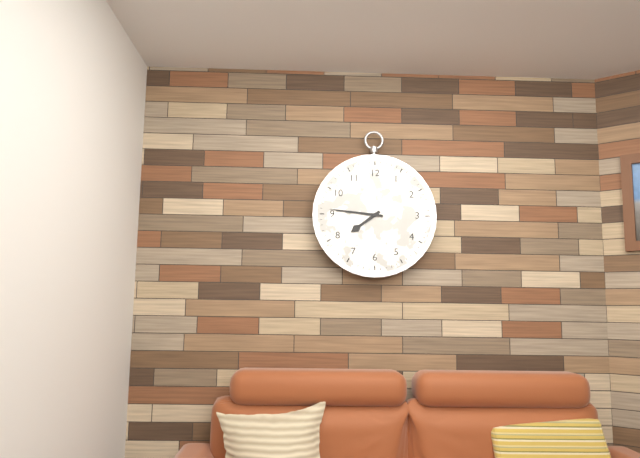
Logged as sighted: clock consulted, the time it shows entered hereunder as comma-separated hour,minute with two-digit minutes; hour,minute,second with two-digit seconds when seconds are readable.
7,46
